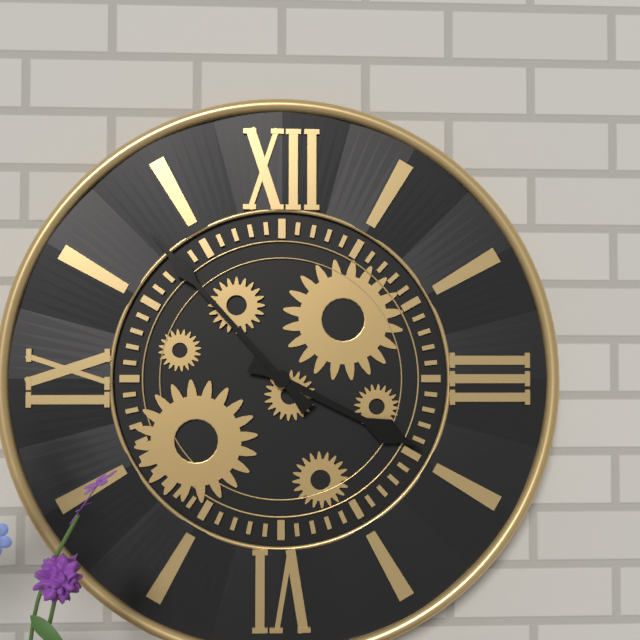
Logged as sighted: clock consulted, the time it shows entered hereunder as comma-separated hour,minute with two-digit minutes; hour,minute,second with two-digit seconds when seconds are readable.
3,53
